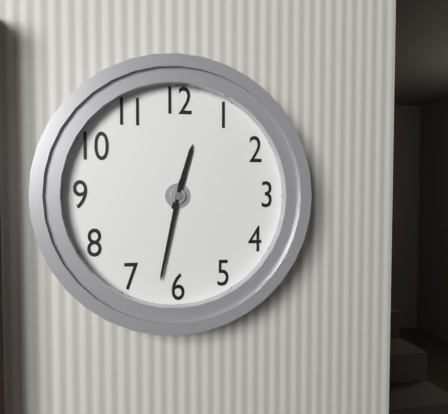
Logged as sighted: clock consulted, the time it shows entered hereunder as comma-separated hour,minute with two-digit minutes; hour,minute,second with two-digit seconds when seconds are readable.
12,32
